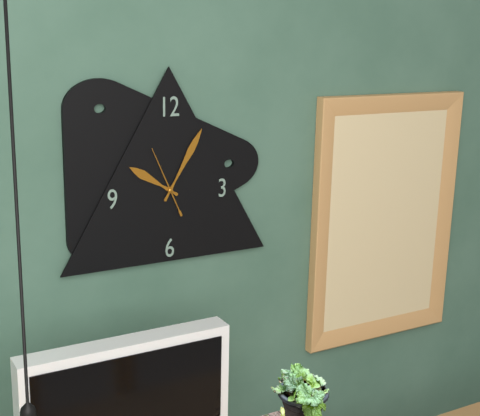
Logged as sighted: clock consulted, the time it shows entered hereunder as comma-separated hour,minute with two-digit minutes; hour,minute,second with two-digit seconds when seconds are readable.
10,05,56
